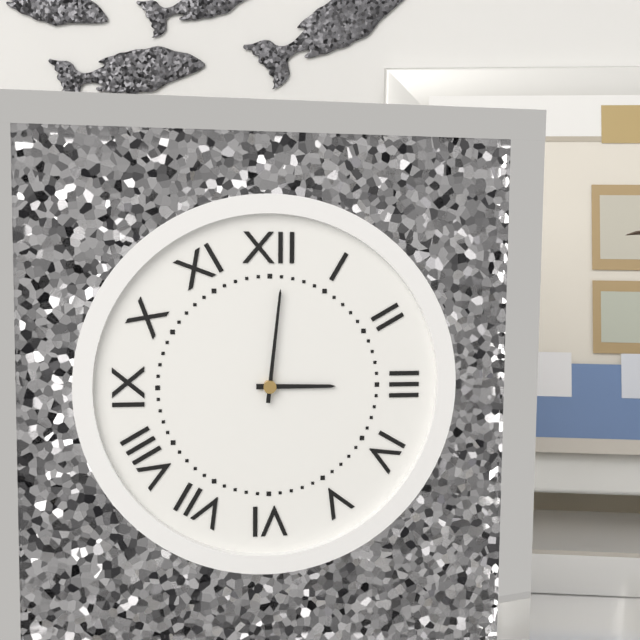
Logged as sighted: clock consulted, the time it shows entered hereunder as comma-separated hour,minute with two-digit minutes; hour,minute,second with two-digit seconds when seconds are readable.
3,01
